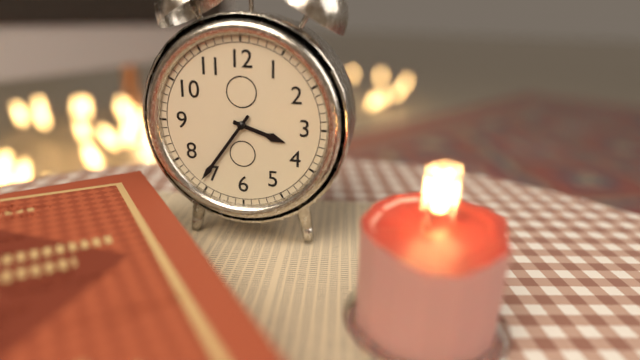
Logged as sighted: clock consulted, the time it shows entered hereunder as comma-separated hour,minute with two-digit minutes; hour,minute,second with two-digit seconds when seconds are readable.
3,36
